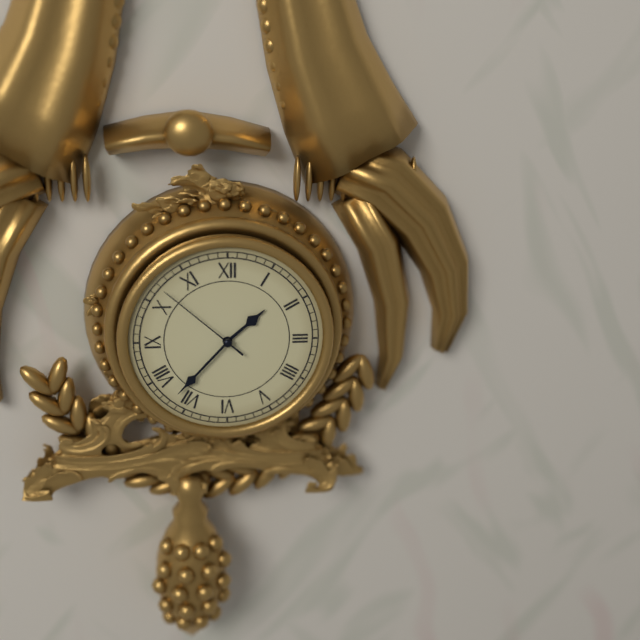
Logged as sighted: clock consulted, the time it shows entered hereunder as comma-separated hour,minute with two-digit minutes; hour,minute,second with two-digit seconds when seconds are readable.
1,37,52
